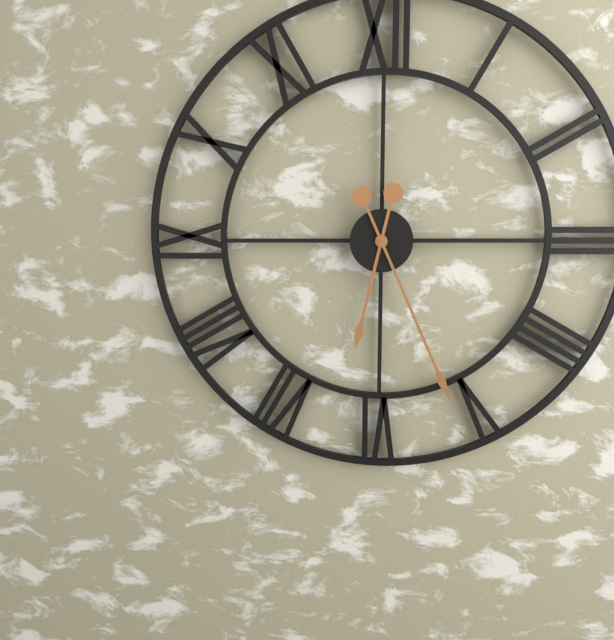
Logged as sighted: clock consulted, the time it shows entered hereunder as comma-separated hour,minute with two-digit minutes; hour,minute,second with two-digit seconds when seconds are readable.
6,26
